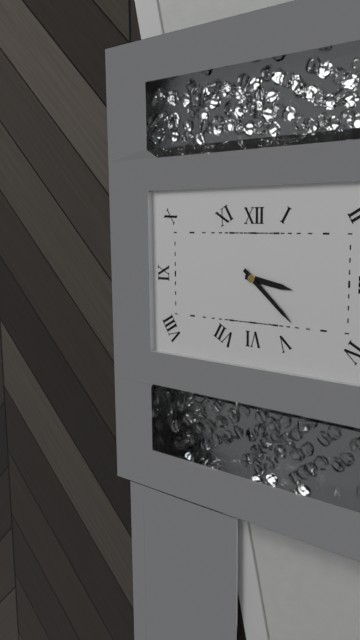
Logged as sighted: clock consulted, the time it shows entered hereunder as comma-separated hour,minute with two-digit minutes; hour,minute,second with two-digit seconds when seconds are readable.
3,22
